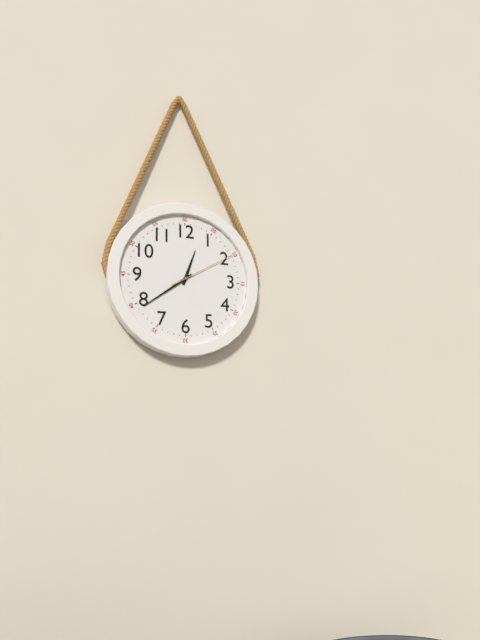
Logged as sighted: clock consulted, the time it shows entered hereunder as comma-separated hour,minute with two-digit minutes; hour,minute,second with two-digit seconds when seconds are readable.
12,39,10
